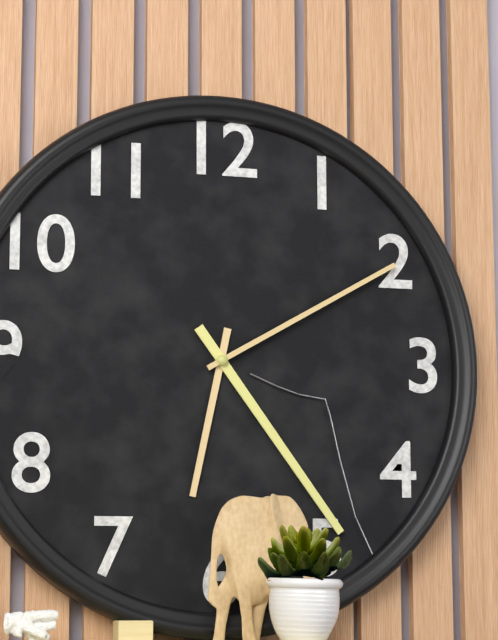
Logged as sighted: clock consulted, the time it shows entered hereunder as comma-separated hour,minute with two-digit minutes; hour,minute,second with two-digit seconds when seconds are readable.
6,24,10
